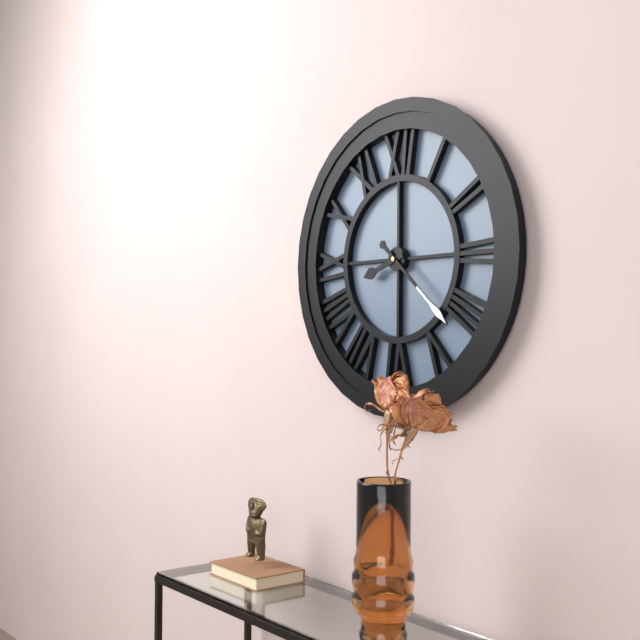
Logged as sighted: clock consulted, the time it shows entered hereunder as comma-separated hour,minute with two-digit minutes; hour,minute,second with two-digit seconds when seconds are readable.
8,22
